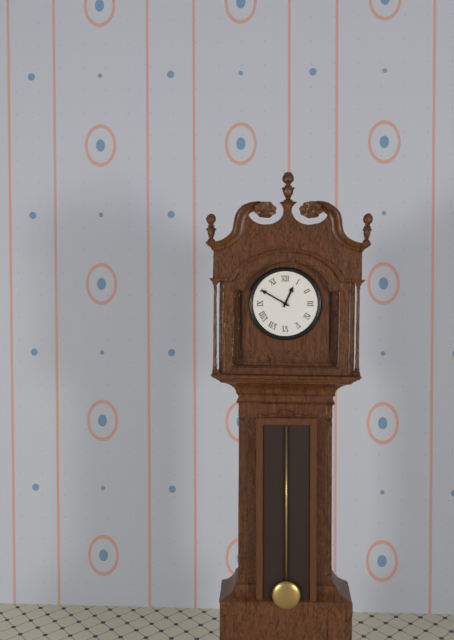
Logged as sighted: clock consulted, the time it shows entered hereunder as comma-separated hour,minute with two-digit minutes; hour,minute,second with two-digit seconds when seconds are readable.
12,50
